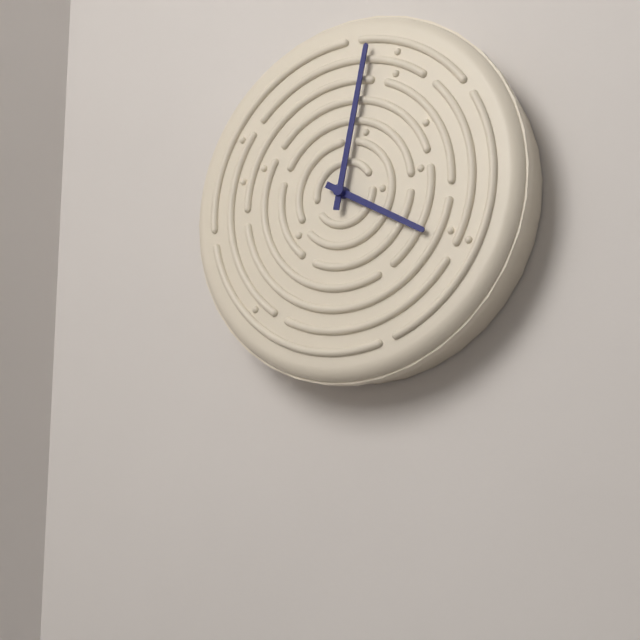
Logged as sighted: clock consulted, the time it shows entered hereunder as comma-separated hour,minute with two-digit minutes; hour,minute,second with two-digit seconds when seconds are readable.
4,02
